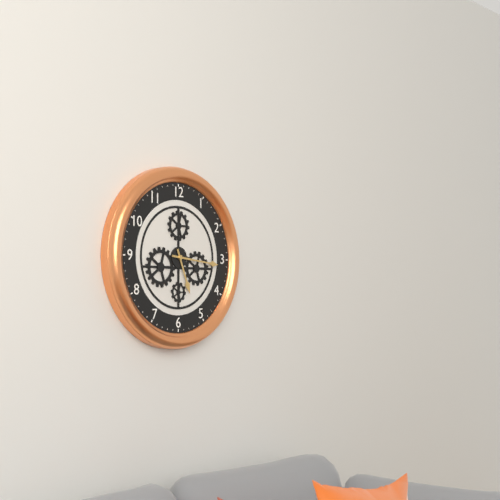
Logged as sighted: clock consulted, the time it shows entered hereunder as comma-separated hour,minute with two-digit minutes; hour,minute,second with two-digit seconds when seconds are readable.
5,16
